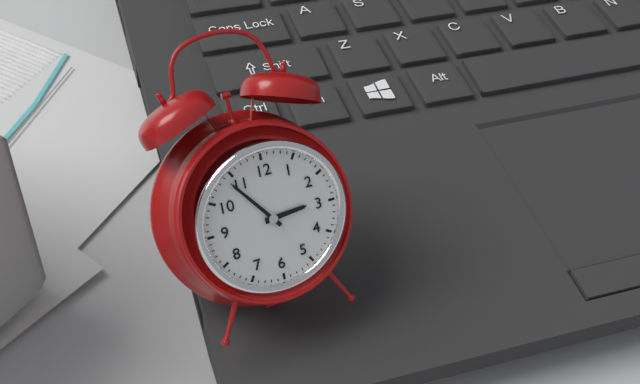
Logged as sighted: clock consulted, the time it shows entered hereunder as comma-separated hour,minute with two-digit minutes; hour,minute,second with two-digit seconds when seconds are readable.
2,54
